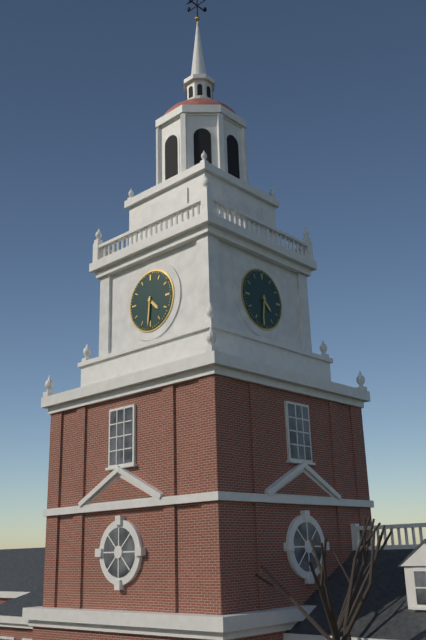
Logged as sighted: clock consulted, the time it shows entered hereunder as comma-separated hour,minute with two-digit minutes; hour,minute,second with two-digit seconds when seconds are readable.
4,31
